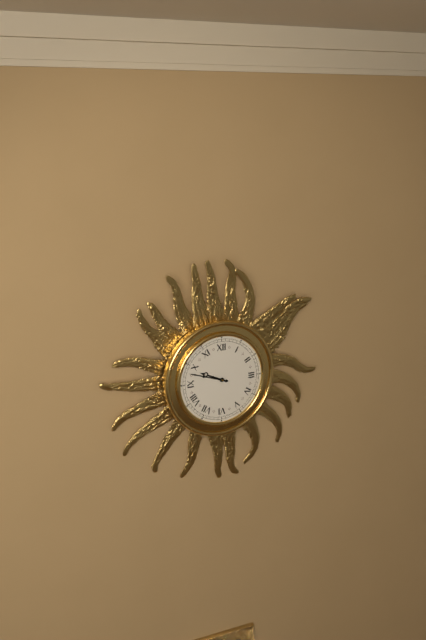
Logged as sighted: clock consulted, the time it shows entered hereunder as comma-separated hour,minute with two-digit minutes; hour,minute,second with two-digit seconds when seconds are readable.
9,48
